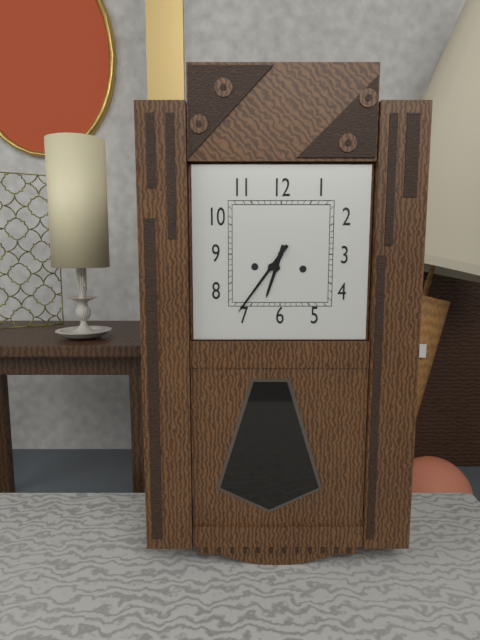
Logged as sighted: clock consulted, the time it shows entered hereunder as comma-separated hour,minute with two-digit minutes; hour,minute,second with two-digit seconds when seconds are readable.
6,36
